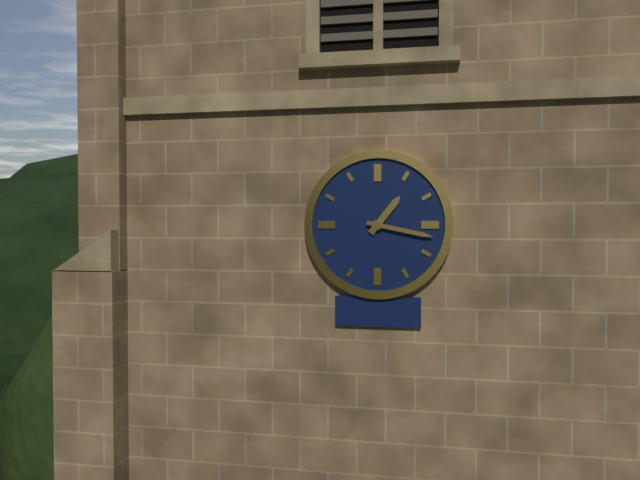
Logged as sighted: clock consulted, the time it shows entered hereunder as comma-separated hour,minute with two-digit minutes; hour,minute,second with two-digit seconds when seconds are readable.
1,17
